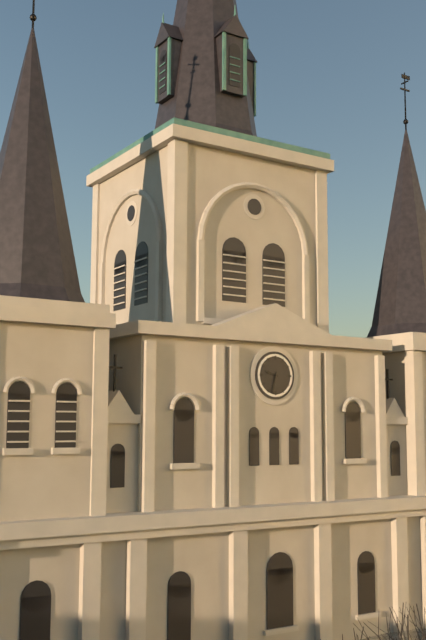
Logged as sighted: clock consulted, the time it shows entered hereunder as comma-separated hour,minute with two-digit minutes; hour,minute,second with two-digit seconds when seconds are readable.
9,32
